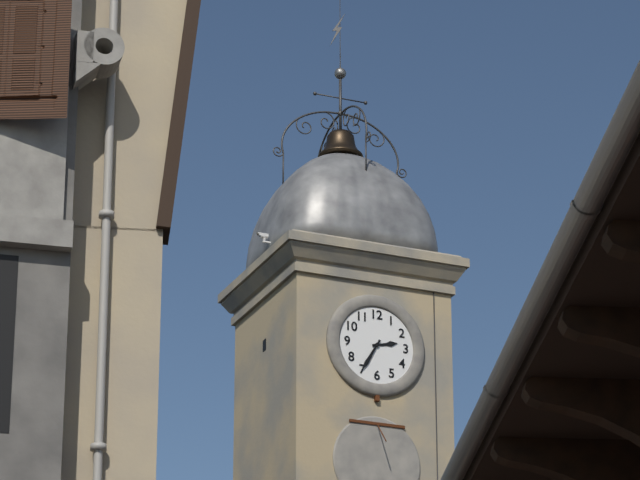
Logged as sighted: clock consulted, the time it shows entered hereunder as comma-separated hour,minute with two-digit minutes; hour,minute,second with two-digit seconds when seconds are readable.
2,35
